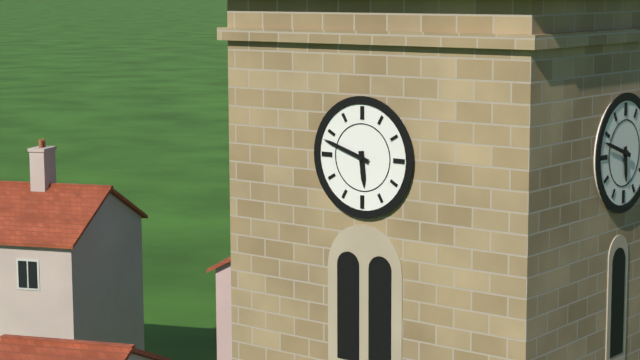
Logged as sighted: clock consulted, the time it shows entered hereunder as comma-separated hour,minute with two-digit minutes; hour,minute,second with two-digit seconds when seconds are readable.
5,48
